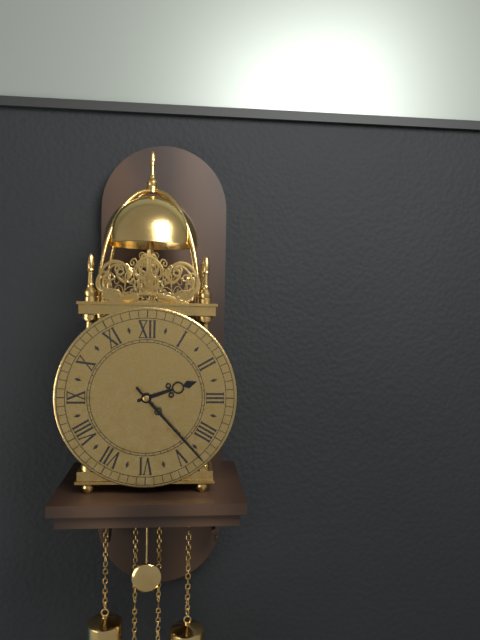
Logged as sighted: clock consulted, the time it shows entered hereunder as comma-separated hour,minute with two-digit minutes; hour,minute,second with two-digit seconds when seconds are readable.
2,23
